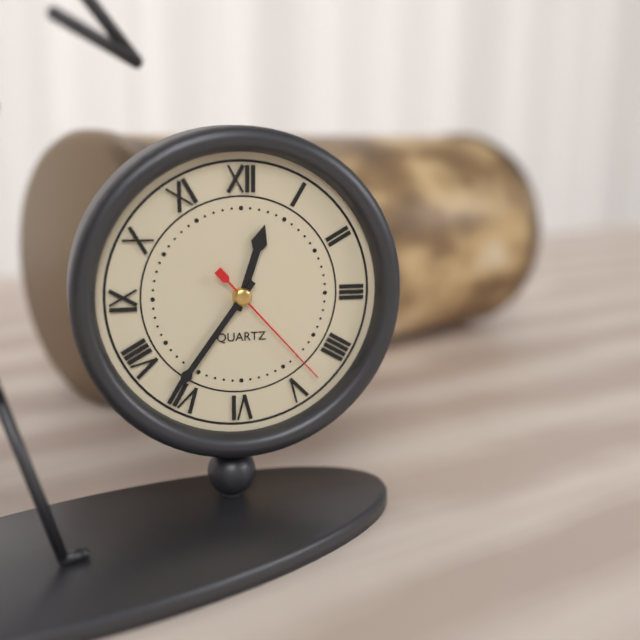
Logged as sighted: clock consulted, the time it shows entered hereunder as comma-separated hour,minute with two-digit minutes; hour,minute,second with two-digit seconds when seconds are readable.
12,36,23
